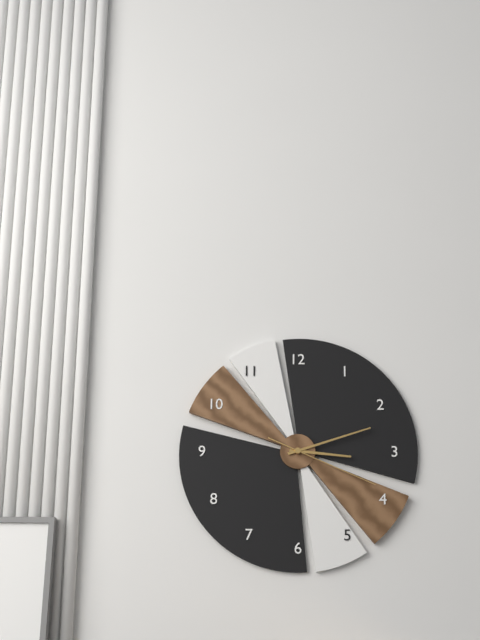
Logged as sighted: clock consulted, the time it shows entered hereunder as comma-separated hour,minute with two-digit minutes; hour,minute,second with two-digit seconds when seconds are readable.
3,12,19
